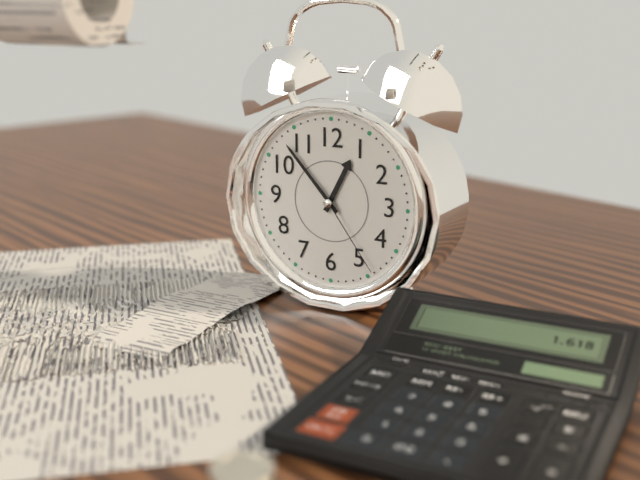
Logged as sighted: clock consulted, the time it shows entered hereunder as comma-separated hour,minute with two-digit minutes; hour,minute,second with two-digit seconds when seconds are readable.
12,53,24
